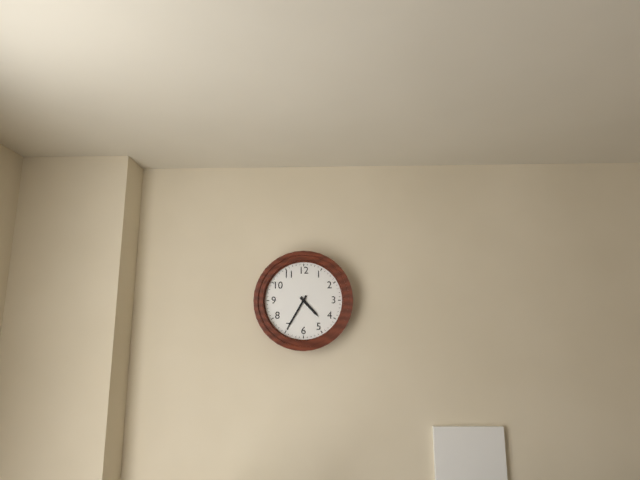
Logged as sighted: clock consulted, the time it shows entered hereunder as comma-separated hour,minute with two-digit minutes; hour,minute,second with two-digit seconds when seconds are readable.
4,35
